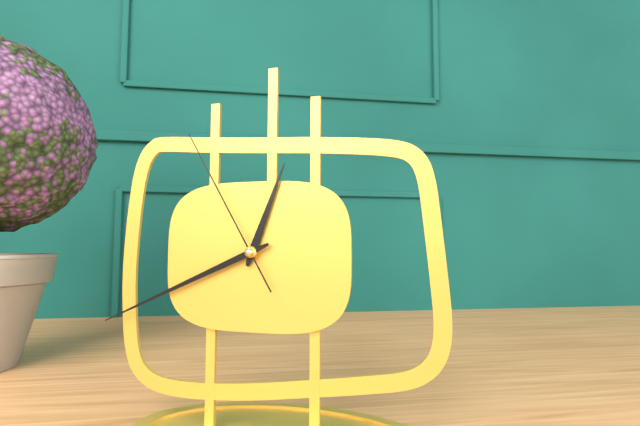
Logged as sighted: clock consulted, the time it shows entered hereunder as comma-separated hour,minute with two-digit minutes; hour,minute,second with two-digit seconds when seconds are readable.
12,41,55
